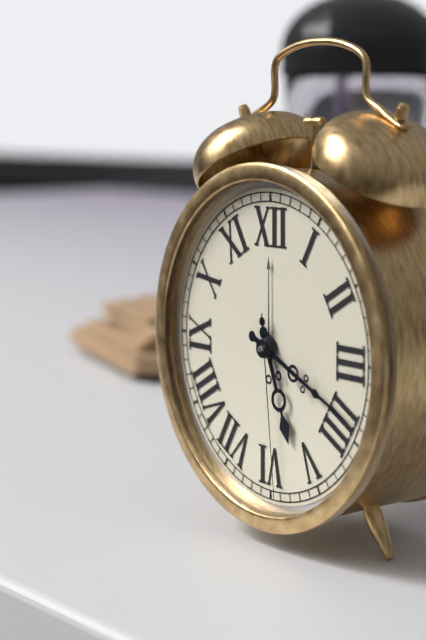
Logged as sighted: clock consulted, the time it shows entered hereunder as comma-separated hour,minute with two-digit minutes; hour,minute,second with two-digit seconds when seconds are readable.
5,19,29
